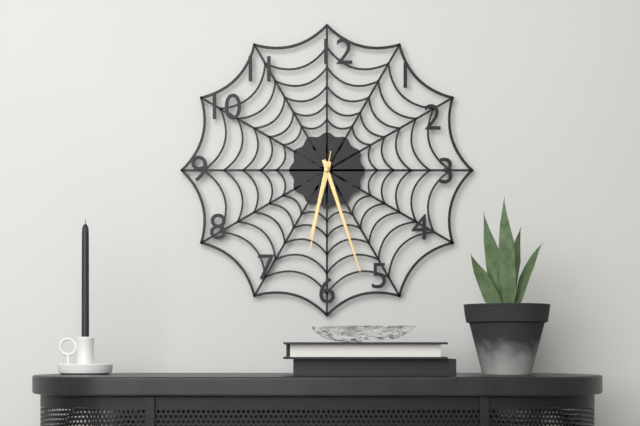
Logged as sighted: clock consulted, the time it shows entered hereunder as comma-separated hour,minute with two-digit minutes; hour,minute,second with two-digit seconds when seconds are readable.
6,27,32
